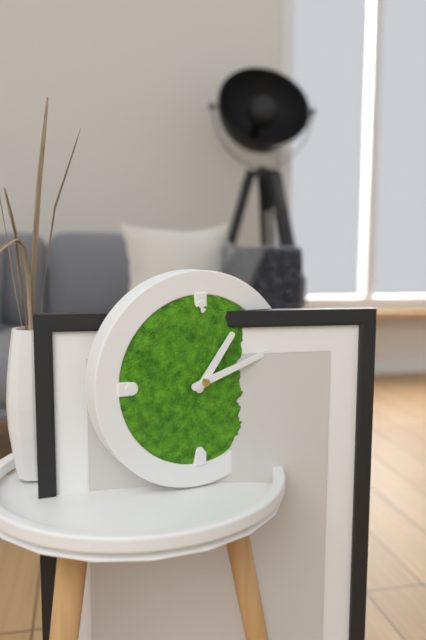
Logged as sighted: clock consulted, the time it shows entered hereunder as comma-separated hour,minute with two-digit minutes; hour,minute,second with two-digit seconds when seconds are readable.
1,12
